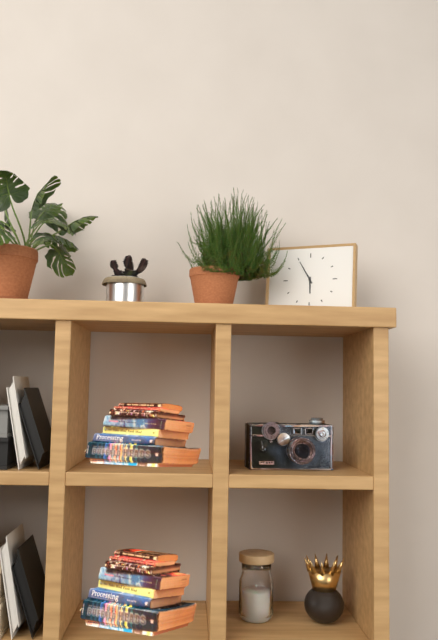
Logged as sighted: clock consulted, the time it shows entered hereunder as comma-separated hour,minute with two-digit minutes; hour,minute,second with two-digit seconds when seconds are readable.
5,55
